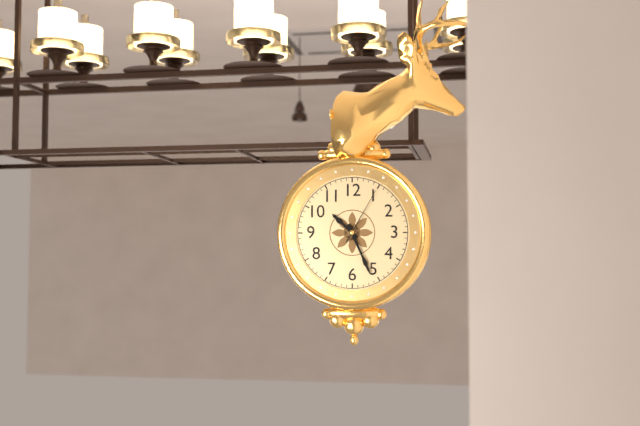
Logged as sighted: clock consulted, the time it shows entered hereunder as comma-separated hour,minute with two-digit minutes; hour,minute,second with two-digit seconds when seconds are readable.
10,26,05
